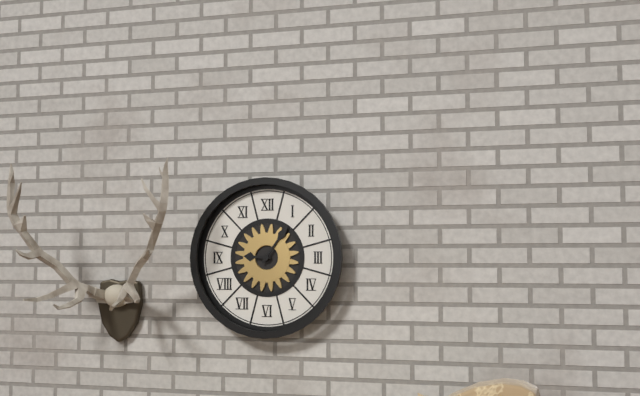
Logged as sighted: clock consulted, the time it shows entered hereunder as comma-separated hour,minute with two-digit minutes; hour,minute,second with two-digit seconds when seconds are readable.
9,06
